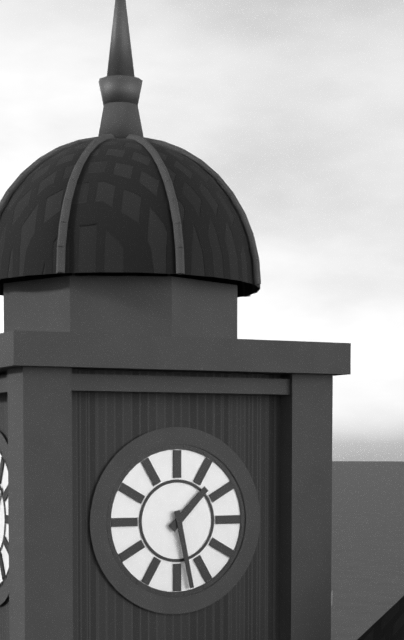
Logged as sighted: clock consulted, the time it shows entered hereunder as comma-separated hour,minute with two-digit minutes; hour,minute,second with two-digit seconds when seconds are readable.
1,28
